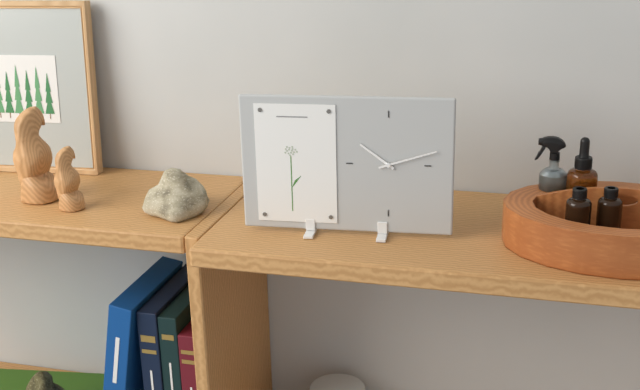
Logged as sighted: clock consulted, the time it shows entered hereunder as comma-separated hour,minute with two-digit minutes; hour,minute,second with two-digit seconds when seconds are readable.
10,12
